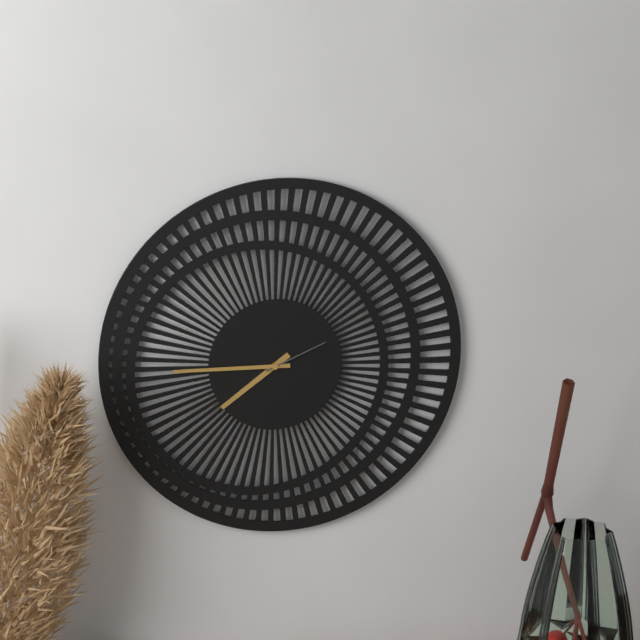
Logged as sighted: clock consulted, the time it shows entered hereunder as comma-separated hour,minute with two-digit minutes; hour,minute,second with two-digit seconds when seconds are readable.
7,45,11
